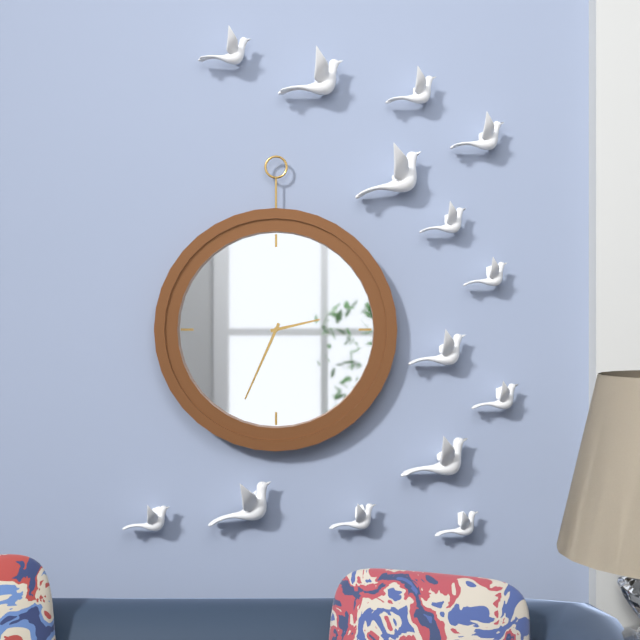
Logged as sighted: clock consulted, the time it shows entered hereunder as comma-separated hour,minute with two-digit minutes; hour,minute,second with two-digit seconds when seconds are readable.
2,34
